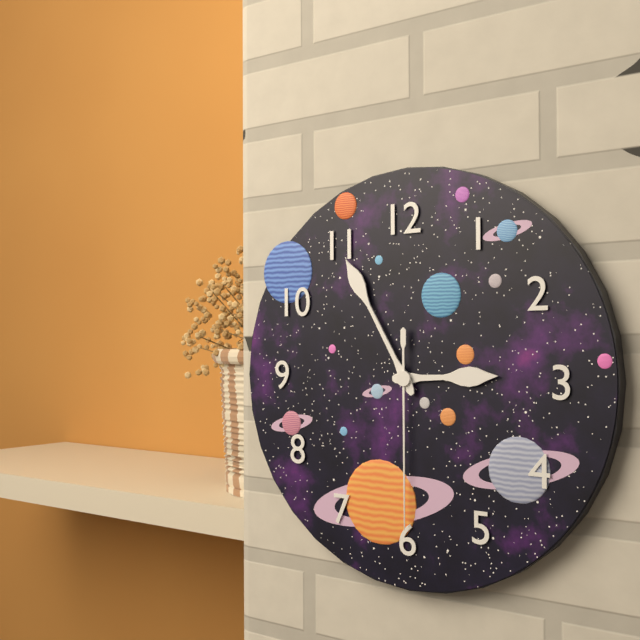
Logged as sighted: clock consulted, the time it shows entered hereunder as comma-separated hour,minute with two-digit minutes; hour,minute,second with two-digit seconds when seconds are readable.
2,55,30
